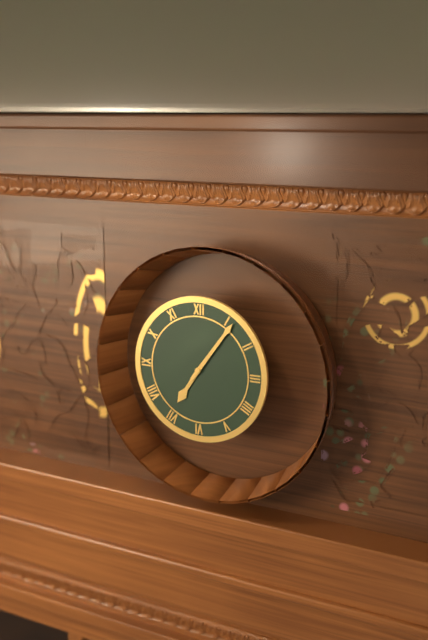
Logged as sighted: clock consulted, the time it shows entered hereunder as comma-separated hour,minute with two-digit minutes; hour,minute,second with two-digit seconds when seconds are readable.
7,06
